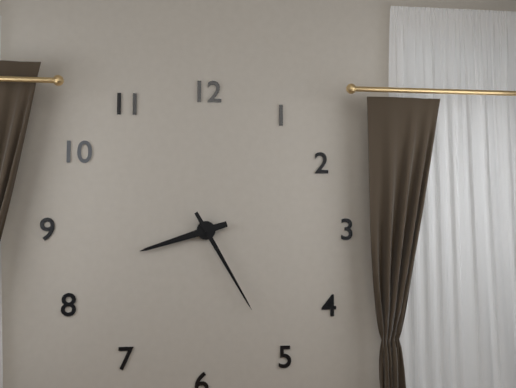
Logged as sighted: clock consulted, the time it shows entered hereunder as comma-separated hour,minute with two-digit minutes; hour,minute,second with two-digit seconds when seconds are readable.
8,25
